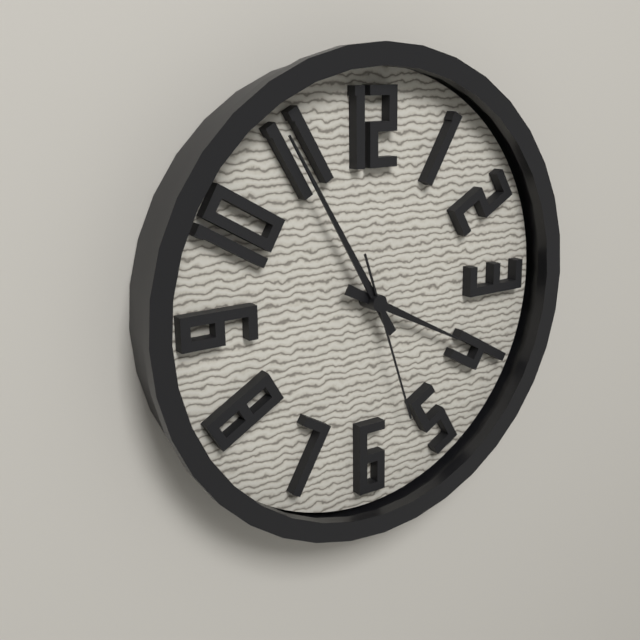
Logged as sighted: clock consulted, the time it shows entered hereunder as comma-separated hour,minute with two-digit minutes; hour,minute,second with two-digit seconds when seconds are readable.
3,55,27
